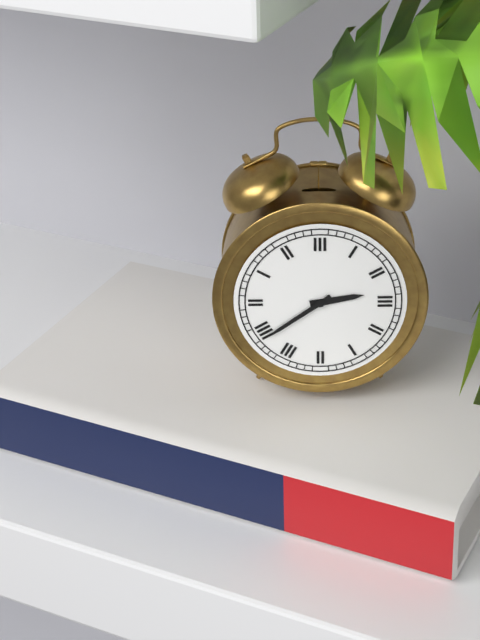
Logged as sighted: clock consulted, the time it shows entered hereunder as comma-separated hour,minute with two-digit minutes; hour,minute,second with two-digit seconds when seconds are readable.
2,39
